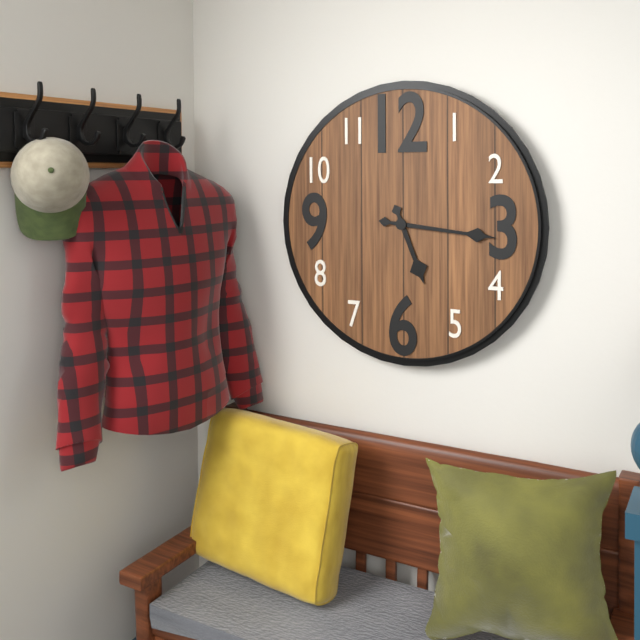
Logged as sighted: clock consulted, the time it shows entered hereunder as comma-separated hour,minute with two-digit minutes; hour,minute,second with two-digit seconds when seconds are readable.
5,16
